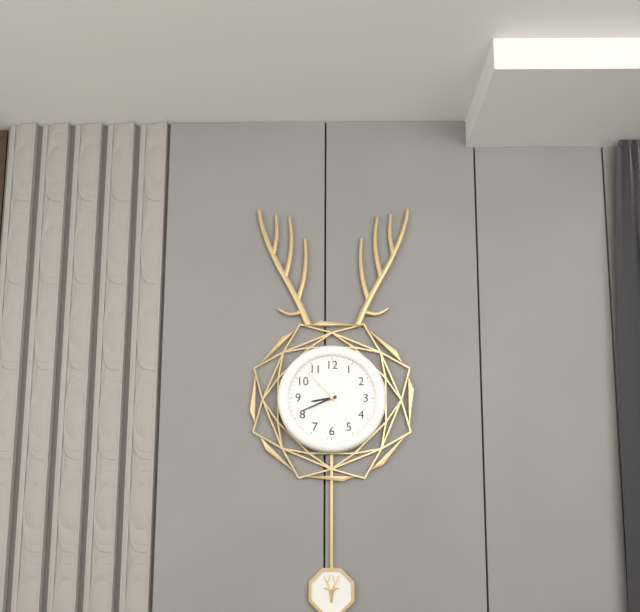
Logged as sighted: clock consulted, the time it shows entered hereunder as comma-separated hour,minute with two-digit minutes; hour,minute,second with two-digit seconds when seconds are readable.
8,41
